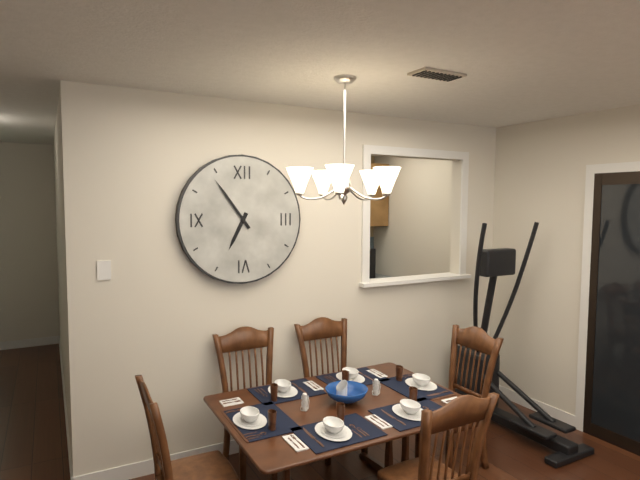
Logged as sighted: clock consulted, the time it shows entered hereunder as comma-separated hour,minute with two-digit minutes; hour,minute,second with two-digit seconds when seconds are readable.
6,54
